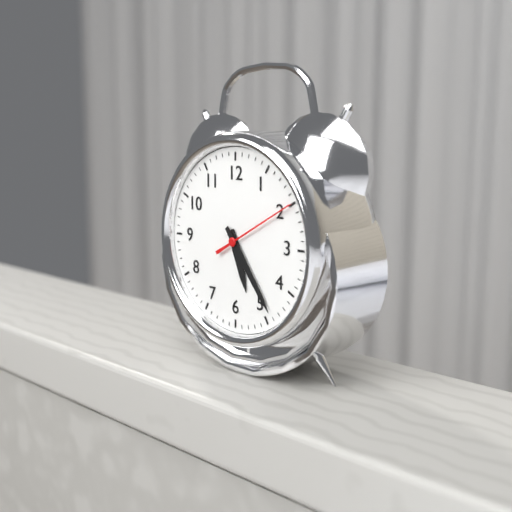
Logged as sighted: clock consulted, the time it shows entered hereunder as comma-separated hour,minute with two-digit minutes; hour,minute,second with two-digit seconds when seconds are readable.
5,24,10
